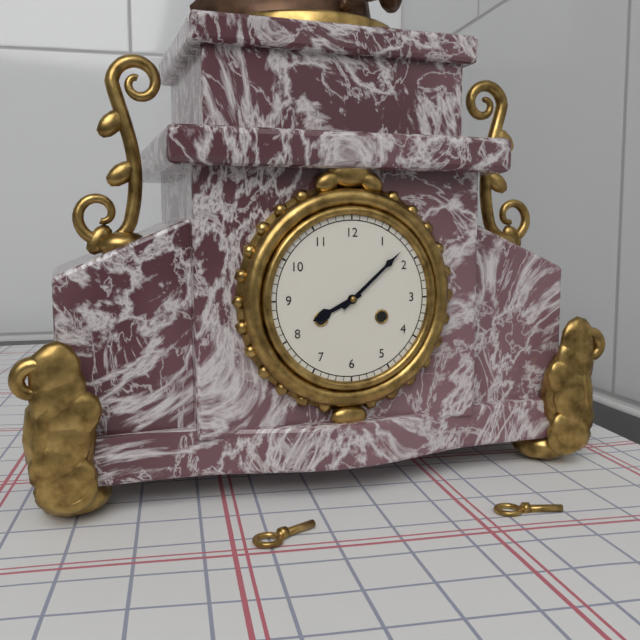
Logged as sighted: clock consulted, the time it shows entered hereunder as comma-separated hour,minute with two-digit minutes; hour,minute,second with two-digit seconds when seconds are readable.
8,08
